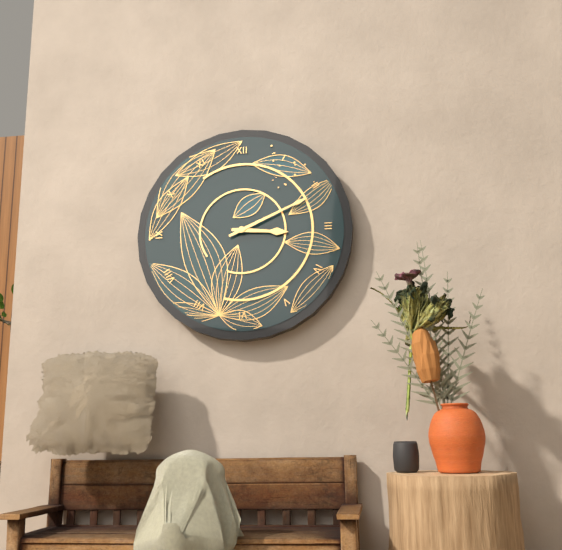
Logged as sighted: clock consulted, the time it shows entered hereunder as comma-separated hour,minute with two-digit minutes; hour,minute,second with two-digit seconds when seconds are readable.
3,11
